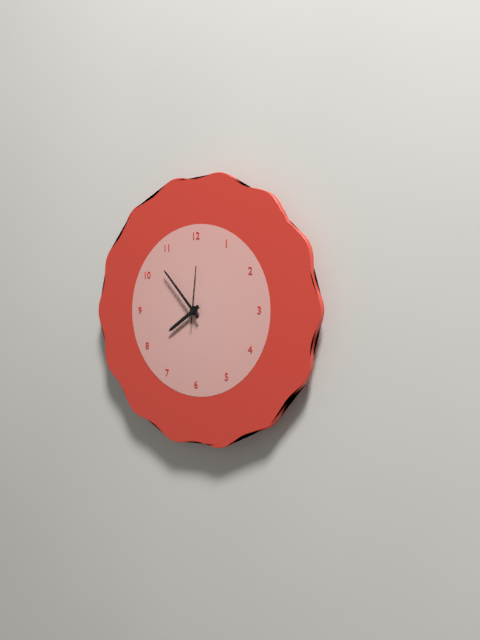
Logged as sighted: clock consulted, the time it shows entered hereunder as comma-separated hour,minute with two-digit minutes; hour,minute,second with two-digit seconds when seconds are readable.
7,53,01
